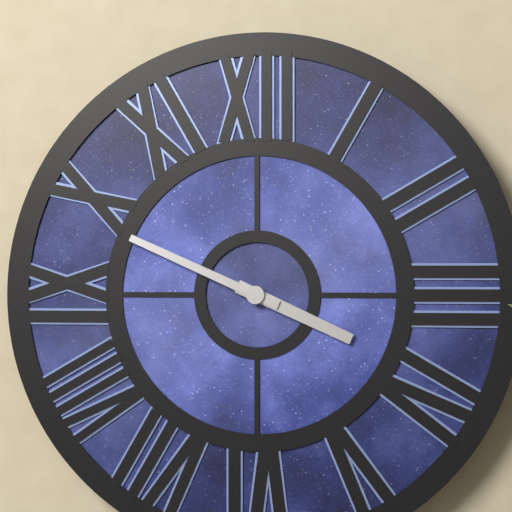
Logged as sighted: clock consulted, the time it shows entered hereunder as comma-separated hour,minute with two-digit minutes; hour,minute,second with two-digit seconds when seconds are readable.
3,49
